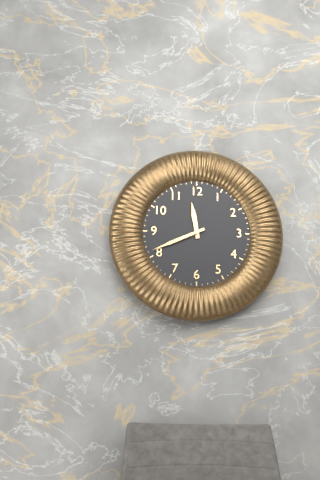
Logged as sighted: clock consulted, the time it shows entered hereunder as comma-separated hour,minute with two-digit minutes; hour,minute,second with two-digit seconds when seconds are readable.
11,41
